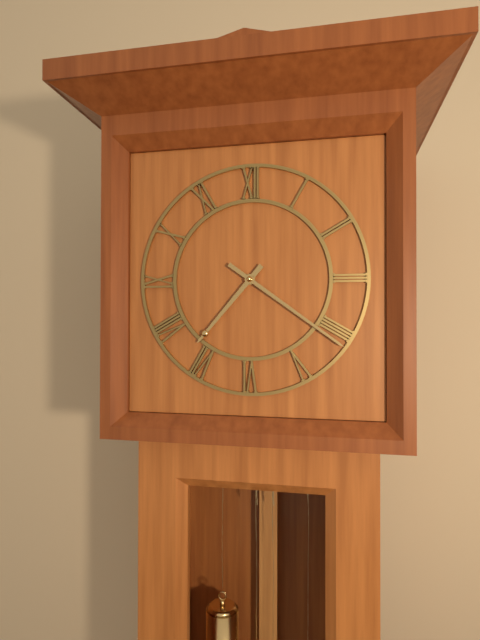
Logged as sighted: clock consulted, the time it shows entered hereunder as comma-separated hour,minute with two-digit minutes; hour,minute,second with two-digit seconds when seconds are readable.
7,21
